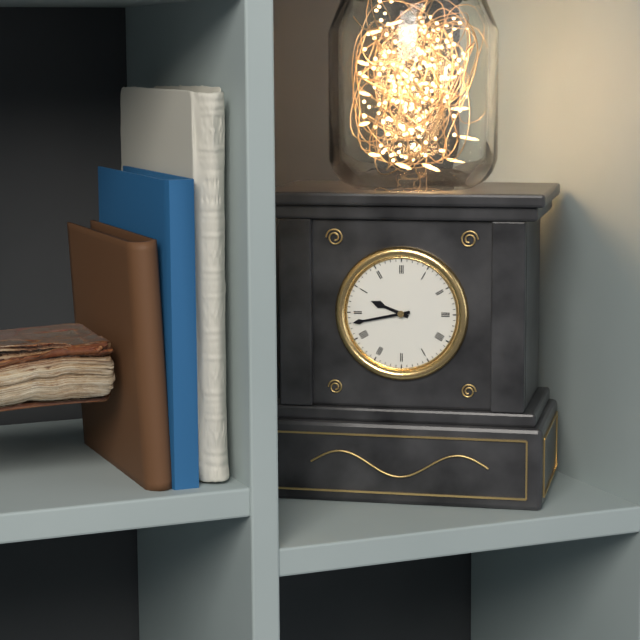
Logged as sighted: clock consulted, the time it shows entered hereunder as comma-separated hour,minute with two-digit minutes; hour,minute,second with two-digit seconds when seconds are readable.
9,43
